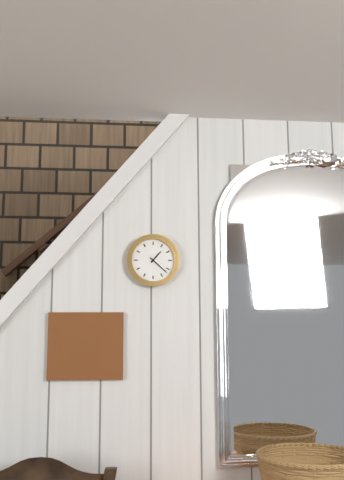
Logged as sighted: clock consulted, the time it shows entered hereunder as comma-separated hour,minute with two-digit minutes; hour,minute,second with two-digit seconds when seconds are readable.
1,22
